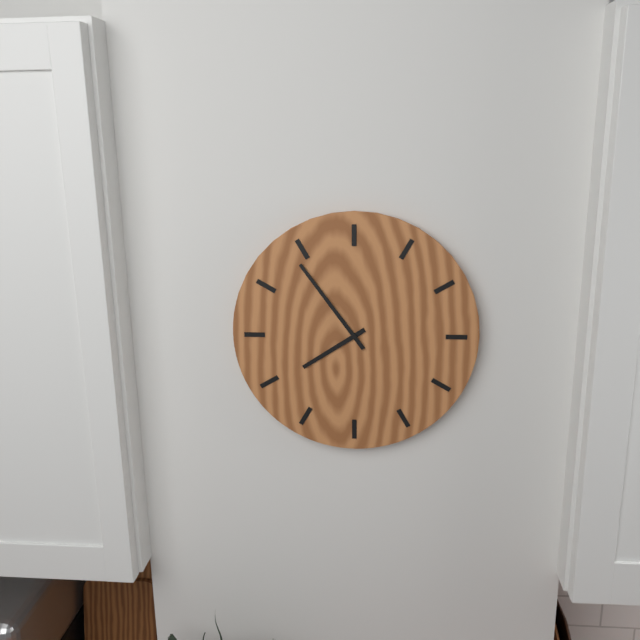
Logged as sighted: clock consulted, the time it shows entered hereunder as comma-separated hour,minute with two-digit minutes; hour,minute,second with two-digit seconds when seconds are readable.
7,54
